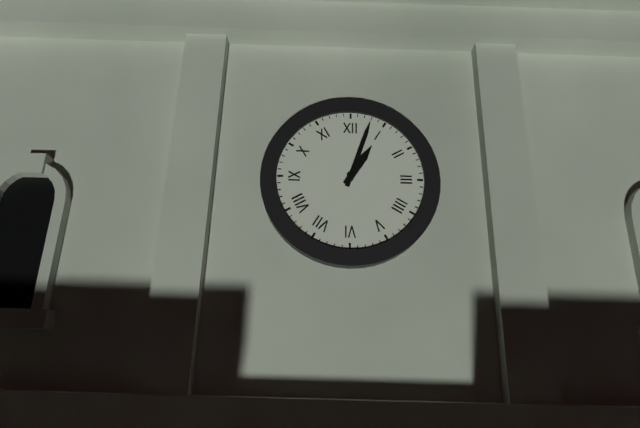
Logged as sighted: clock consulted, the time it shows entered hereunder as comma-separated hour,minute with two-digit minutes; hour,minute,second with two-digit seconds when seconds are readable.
1,03
